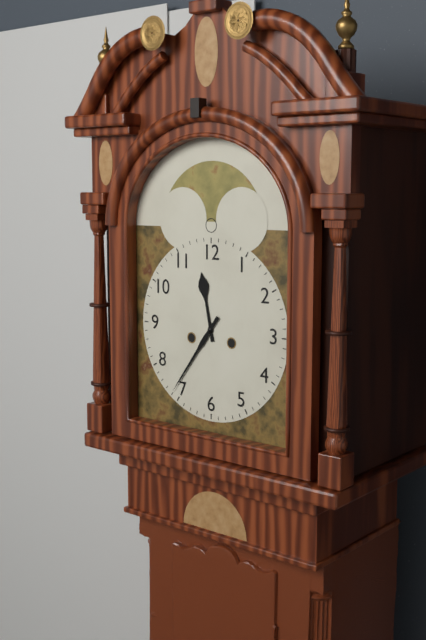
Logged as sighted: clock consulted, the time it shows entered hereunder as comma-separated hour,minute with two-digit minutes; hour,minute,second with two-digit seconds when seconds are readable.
11,36
